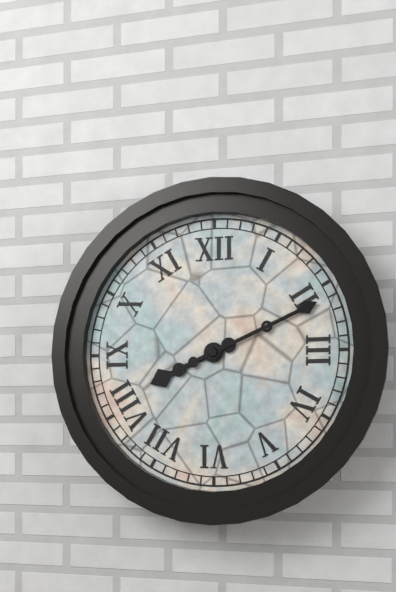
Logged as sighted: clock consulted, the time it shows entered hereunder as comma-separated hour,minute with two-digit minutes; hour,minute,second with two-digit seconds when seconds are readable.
8,11
